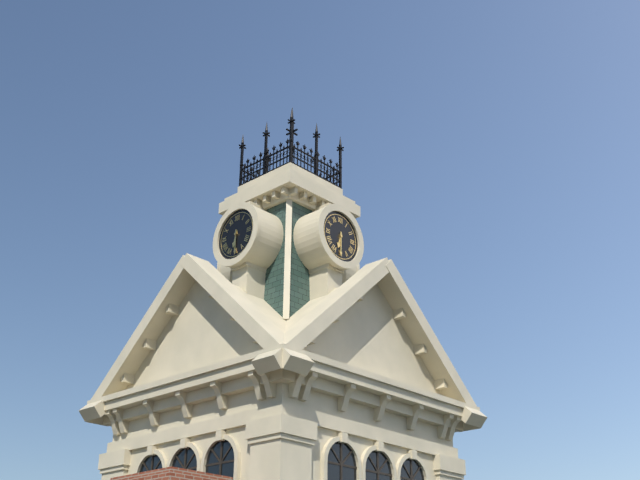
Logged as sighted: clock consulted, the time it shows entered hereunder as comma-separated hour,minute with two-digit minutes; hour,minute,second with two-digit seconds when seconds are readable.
6,30
